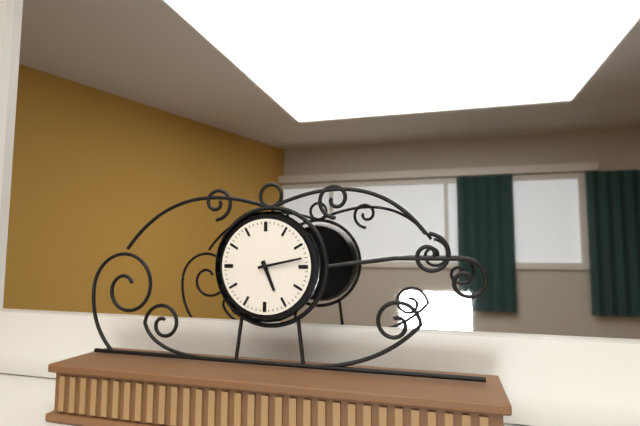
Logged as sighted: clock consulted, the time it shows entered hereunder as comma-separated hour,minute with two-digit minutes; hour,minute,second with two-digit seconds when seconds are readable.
5,13
